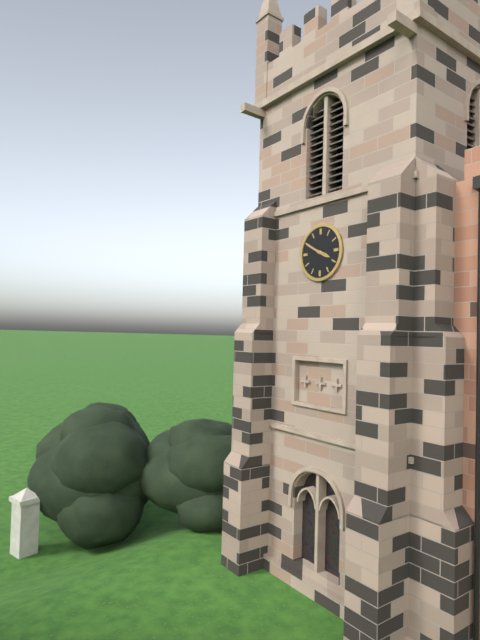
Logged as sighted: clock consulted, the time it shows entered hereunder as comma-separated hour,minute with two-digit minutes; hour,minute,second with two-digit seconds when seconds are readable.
3,50
